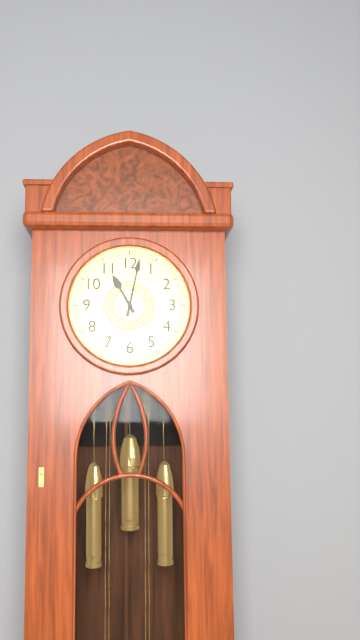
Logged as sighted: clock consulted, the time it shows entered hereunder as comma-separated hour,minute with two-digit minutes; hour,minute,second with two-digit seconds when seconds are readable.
11,02
